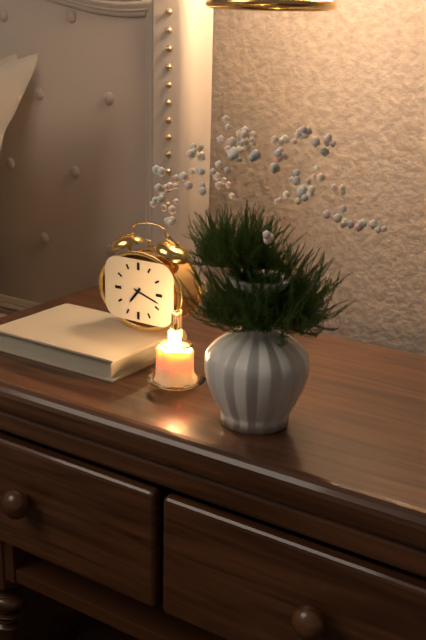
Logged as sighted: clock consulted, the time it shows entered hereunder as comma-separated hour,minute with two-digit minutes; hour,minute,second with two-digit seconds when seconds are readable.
7,18
